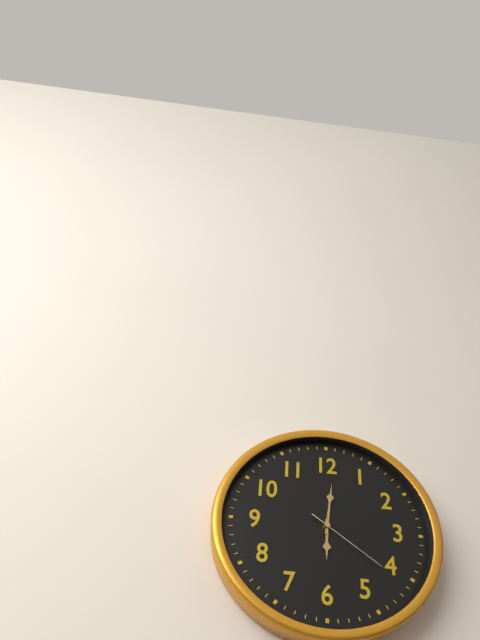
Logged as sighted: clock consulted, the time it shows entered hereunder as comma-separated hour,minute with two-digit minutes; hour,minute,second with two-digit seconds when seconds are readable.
6,01,21
